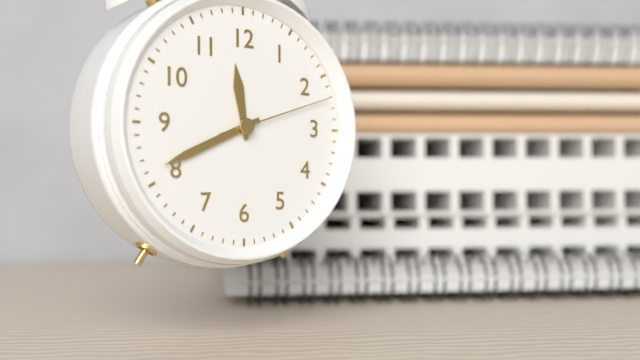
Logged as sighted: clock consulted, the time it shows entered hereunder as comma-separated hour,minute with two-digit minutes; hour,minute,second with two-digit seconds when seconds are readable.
11,41,12
